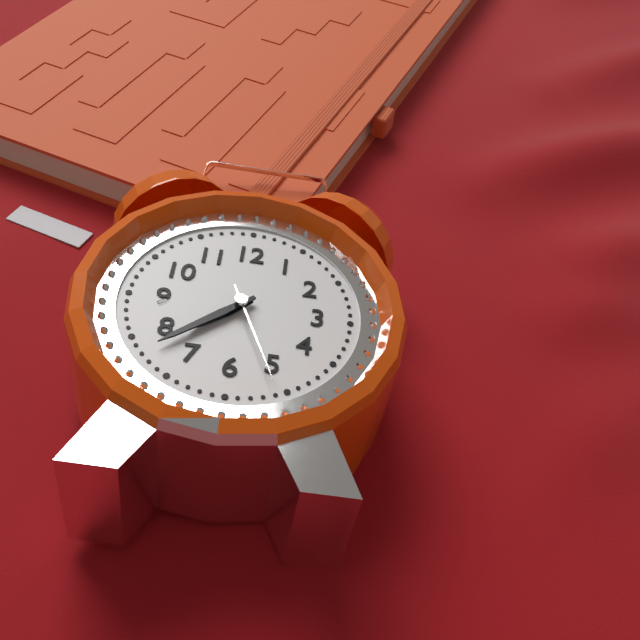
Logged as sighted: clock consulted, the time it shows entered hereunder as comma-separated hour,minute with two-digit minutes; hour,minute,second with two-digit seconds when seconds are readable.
7,38,26
